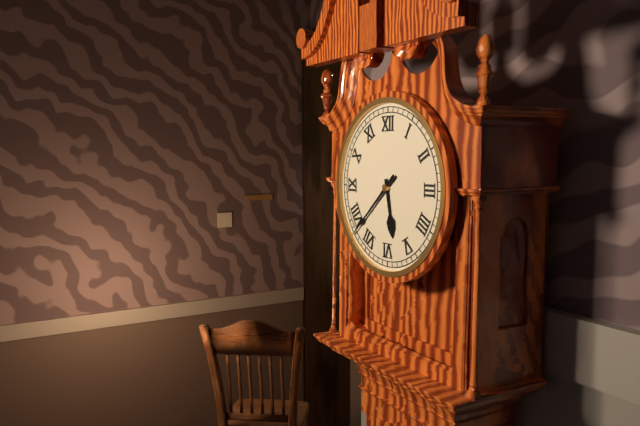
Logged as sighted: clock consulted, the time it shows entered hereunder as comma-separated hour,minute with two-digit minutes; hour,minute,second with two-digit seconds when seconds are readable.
5,38
